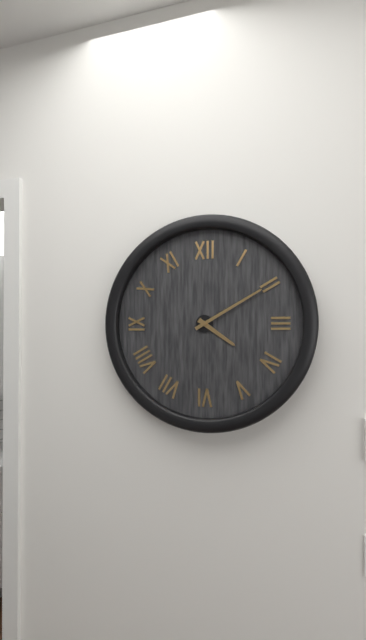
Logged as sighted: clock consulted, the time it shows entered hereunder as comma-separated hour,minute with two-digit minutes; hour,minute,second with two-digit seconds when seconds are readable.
4,10
